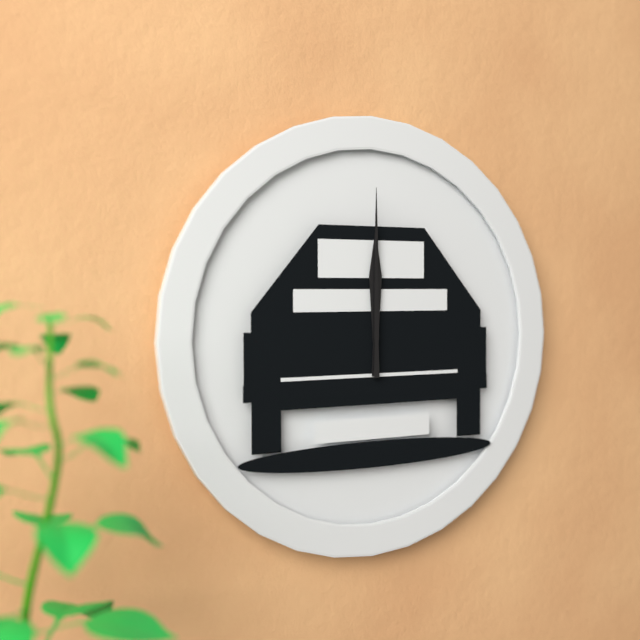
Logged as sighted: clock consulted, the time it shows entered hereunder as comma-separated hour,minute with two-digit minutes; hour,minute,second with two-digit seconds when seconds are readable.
12,00
